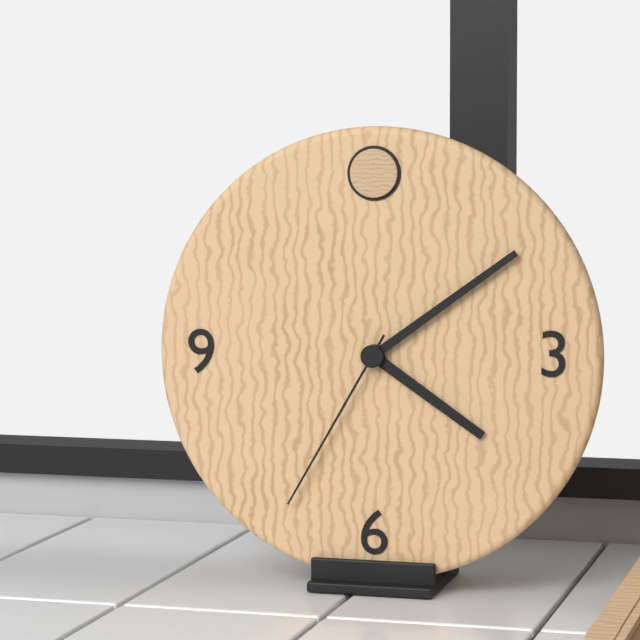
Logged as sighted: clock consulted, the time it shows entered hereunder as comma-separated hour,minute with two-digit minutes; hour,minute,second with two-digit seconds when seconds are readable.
4,09,35
